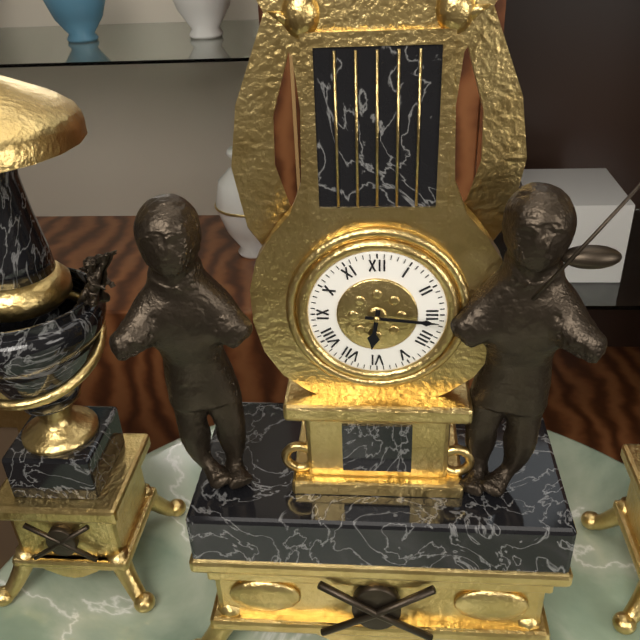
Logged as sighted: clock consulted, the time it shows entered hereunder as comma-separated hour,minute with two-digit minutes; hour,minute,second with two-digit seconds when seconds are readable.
6,16
